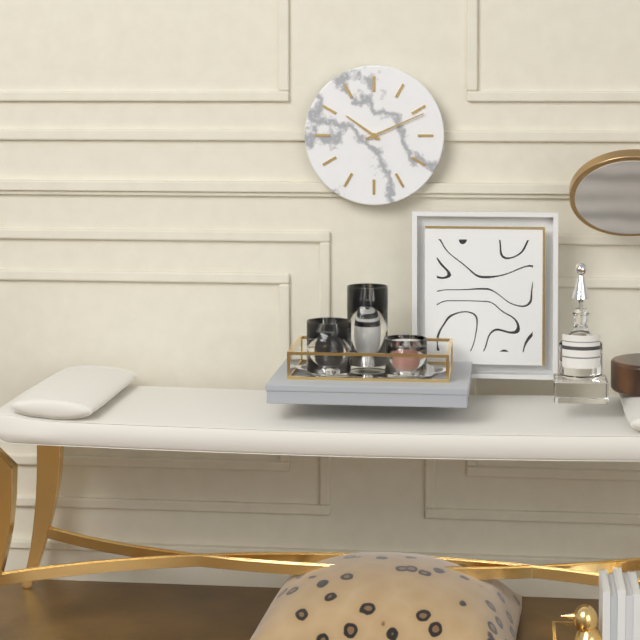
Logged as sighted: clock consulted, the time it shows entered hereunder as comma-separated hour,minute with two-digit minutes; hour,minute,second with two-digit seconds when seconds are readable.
10,11
